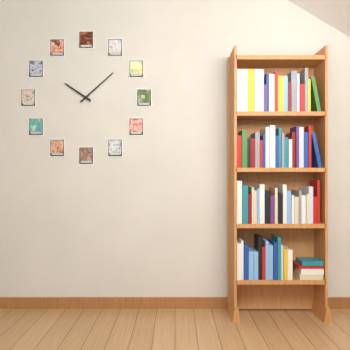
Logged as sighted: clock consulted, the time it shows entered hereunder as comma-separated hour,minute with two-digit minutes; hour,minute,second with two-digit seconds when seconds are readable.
10,08
